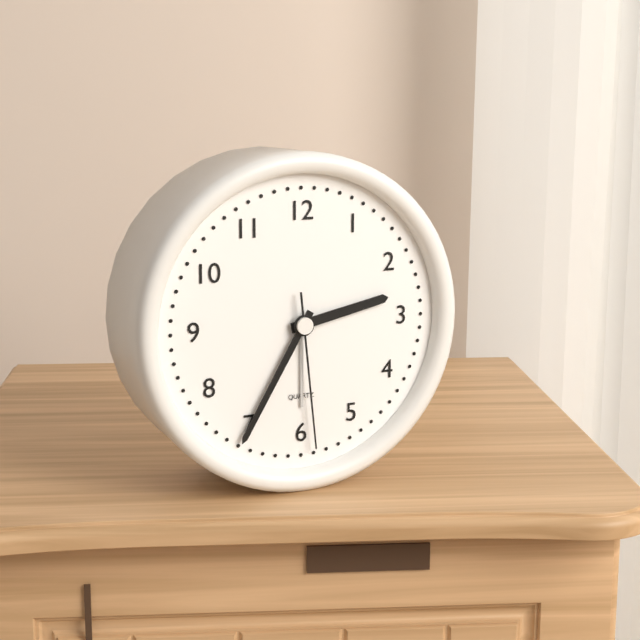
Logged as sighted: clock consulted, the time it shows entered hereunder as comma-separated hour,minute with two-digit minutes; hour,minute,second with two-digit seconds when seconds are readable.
2,35,29
